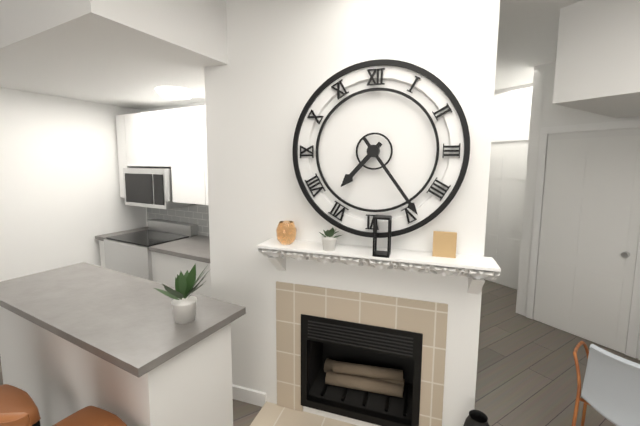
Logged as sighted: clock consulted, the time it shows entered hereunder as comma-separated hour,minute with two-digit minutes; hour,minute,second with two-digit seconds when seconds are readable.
7,24
